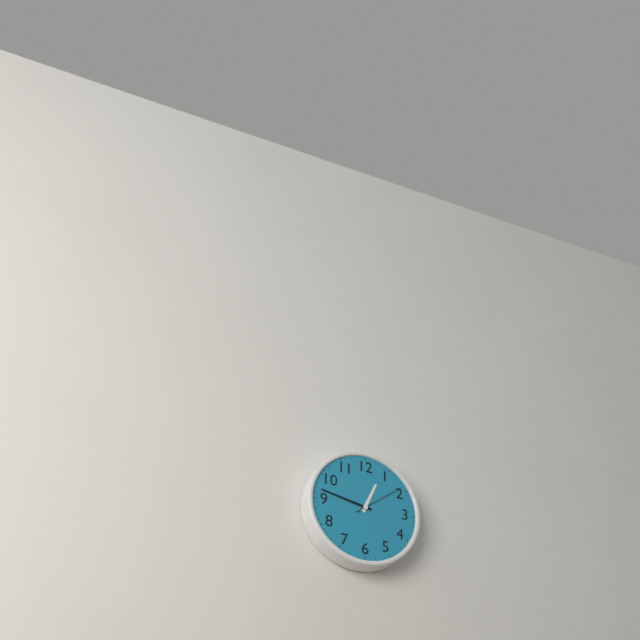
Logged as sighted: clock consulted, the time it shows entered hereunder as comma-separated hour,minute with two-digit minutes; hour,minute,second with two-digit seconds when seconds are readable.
12,47,09
